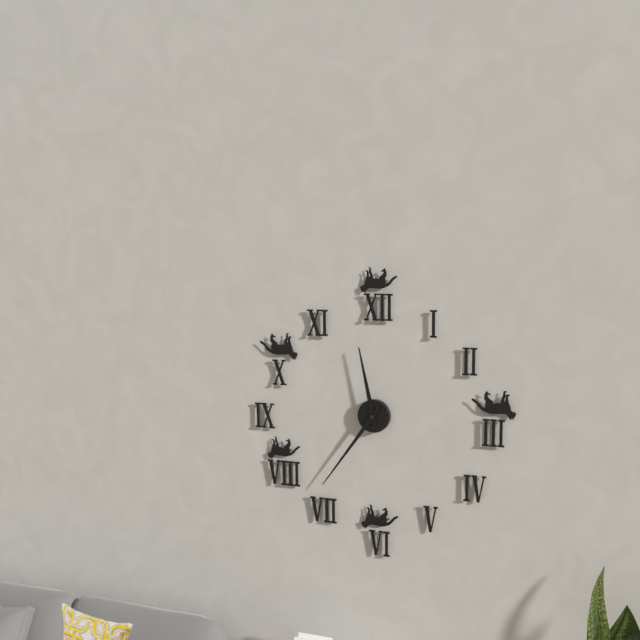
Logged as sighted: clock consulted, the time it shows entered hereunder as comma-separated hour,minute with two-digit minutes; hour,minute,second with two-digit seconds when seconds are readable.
11,36
